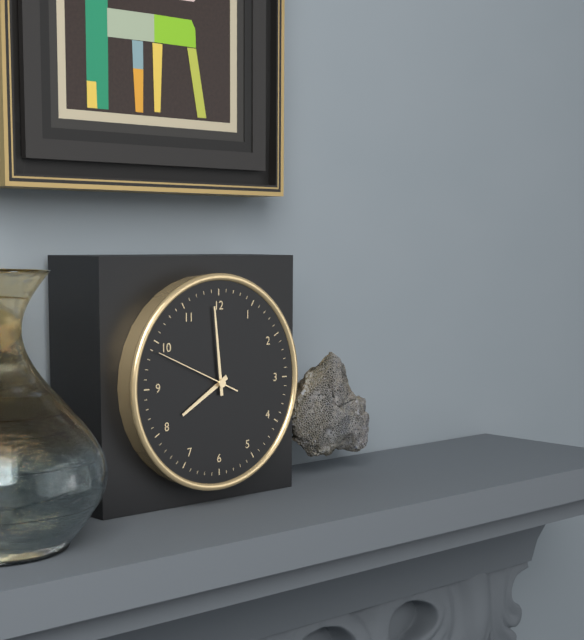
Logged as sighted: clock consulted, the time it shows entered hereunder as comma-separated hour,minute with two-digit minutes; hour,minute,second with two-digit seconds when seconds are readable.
7,59,49
